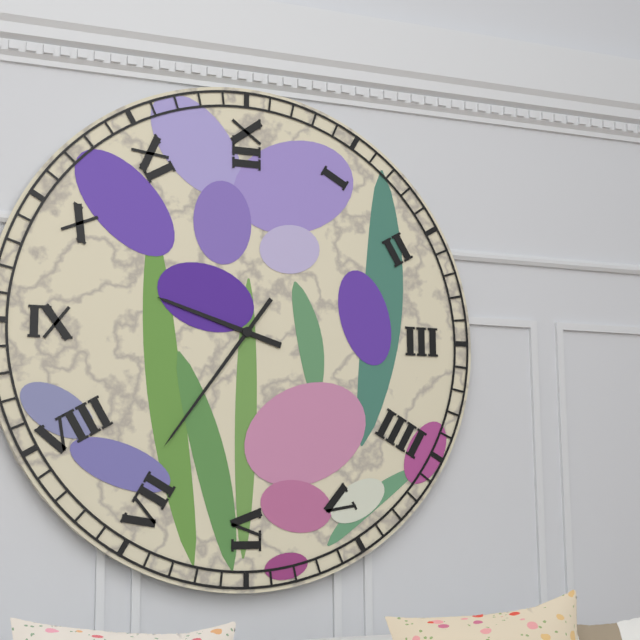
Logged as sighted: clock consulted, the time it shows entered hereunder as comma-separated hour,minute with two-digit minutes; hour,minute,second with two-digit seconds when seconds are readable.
9,36
